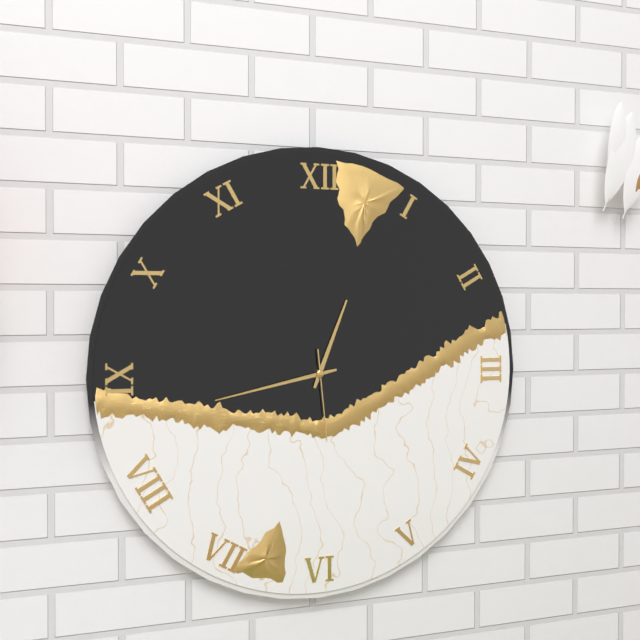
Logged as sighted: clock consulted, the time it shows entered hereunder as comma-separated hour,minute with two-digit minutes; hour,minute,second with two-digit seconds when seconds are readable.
12,43,29
